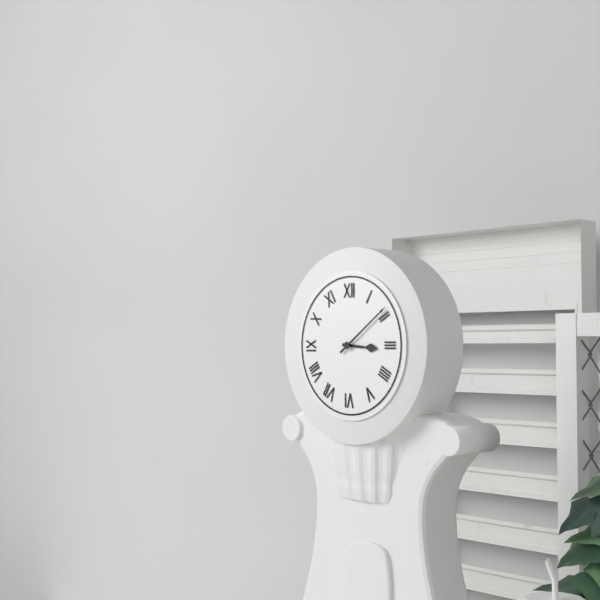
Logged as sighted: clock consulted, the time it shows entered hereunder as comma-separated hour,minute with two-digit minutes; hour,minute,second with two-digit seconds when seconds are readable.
3,09
